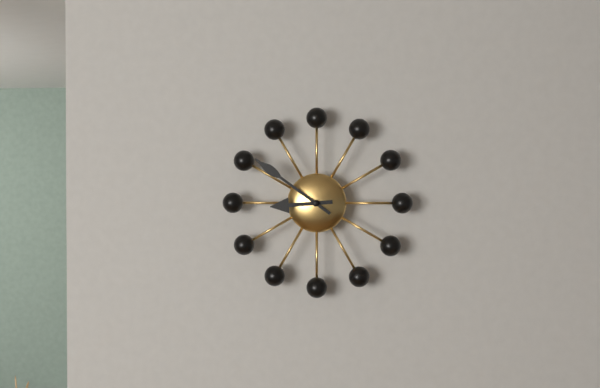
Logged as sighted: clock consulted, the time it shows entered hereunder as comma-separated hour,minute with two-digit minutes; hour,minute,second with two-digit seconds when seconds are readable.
8,51
